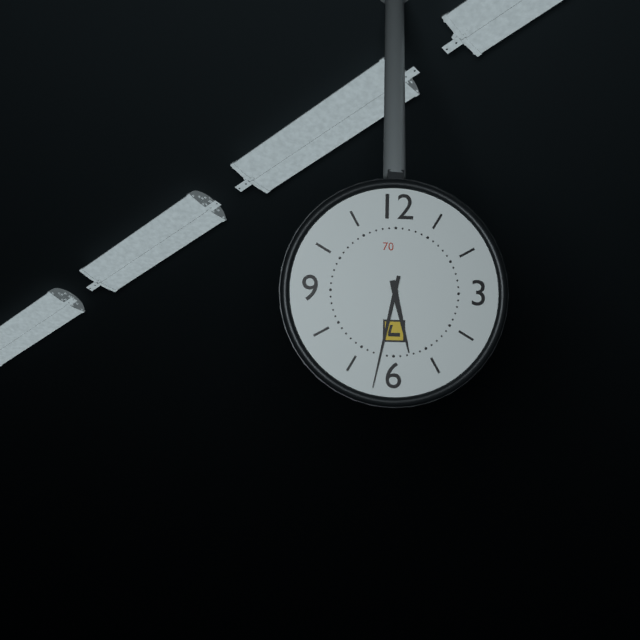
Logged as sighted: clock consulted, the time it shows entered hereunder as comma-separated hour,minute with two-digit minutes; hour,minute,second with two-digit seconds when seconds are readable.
5,32
